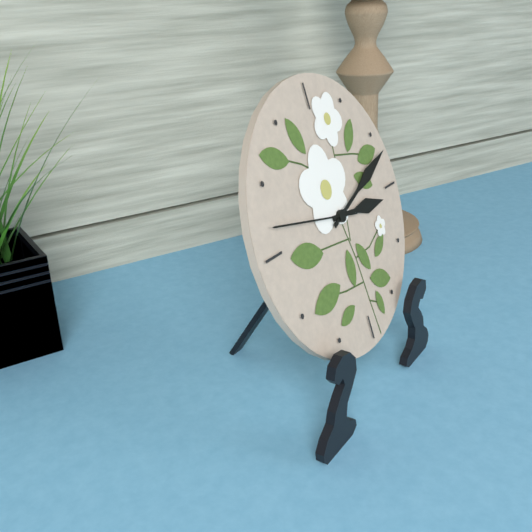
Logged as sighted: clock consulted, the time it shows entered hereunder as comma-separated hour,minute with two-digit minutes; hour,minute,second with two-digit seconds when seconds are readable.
3,12,47
